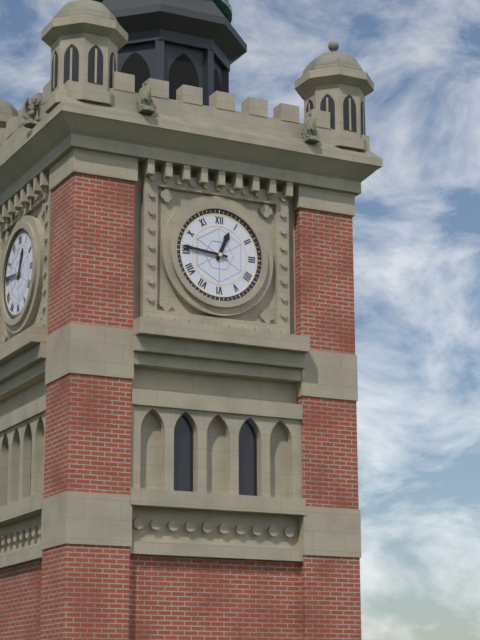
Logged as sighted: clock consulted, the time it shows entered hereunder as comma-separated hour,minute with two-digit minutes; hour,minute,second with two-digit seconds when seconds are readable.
12,46
